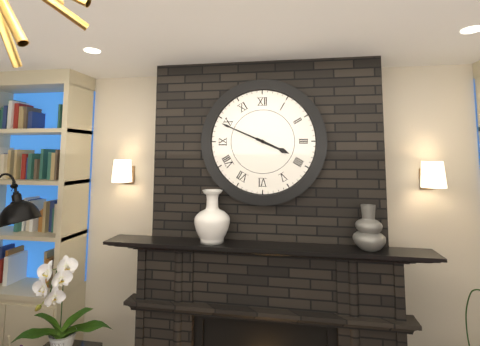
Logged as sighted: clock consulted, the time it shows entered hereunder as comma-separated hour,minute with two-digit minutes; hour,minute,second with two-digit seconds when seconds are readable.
3,49
